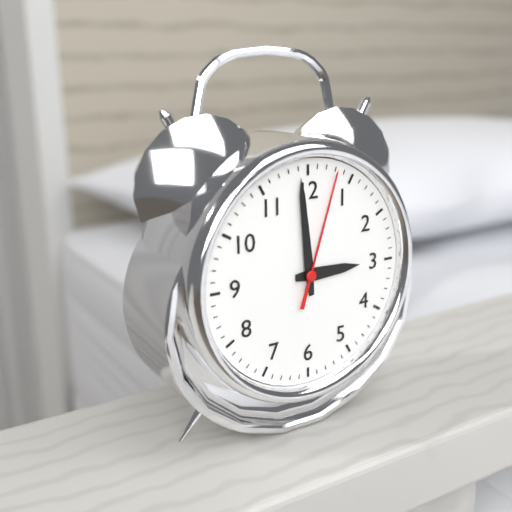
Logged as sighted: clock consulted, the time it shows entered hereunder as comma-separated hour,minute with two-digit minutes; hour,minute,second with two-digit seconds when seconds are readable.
2,59,03
